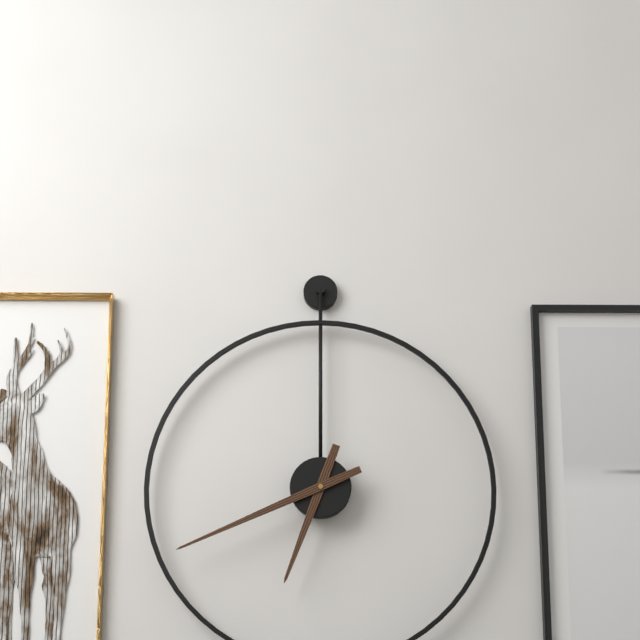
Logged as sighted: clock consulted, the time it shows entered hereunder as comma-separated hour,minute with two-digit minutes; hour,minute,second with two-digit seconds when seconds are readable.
6,41
